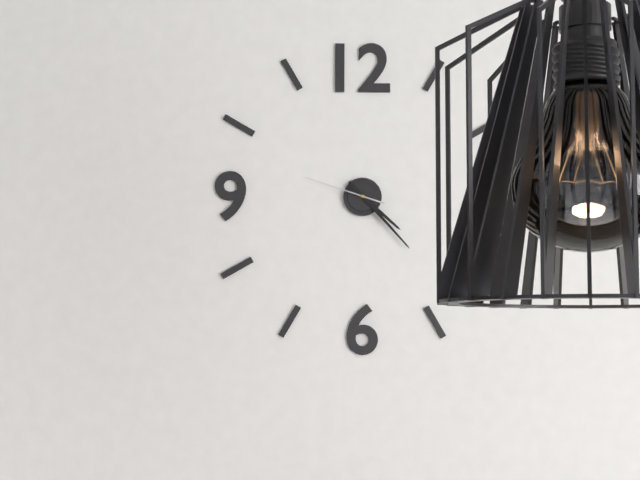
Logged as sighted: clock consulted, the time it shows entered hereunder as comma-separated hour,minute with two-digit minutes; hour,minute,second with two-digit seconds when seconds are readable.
4,23,48
